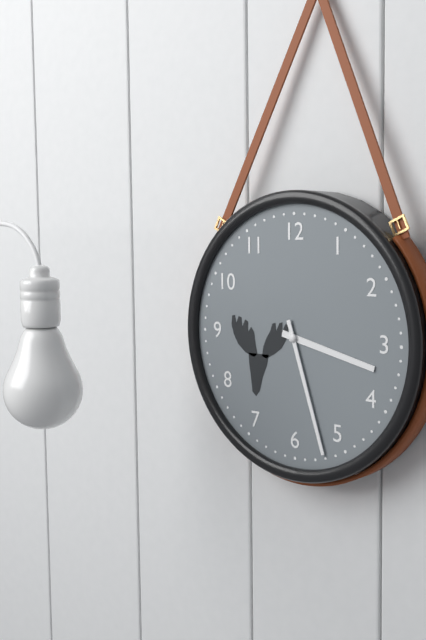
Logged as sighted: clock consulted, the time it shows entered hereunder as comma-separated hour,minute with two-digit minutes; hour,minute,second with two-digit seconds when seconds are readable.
3,27
